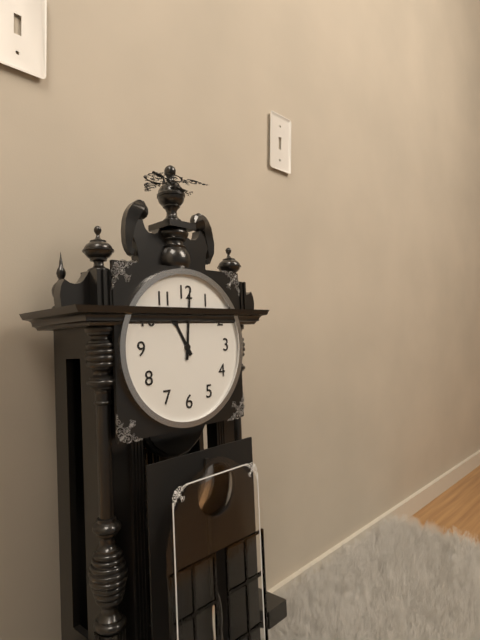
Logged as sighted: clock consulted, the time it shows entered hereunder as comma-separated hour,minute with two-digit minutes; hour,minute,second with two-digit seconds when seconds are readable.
11,01
